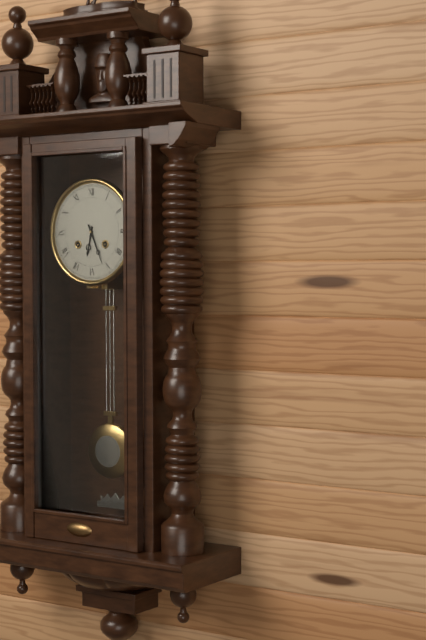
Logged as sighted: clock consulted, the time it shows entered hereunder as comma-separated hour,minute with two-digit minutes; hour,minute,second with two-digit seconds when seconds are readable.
6,26
